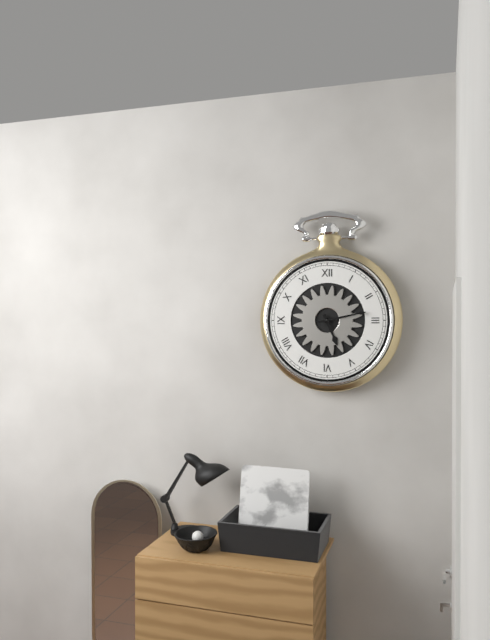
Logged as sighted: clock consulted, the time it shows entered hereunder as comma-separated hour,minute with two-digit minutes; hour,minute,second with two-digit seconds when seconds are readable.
5,13
